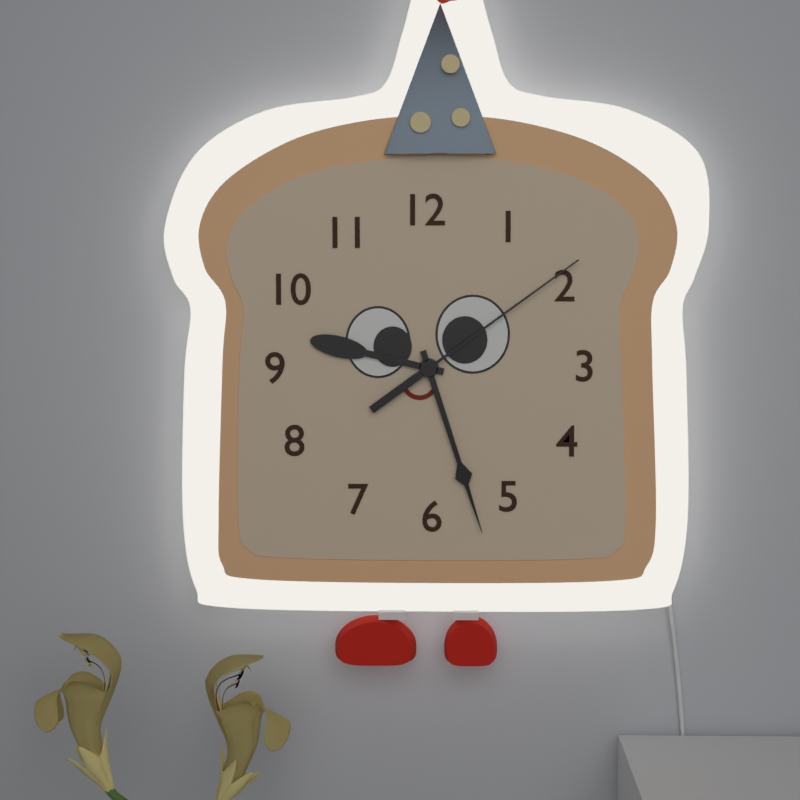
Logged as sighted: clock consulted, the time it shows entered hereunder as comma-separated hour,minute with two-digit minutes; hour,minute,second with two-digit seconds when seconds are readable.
9,27,09
